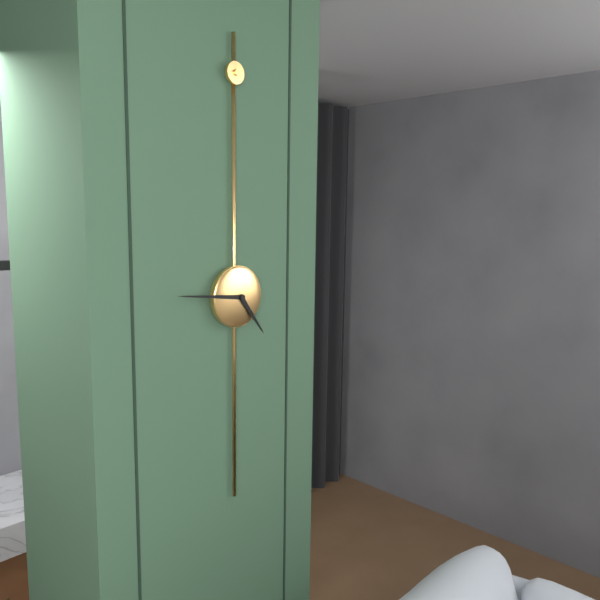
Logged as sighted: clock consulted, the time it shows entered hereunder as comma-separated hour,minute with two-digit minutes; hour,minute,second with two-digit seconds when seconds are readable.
4,46
